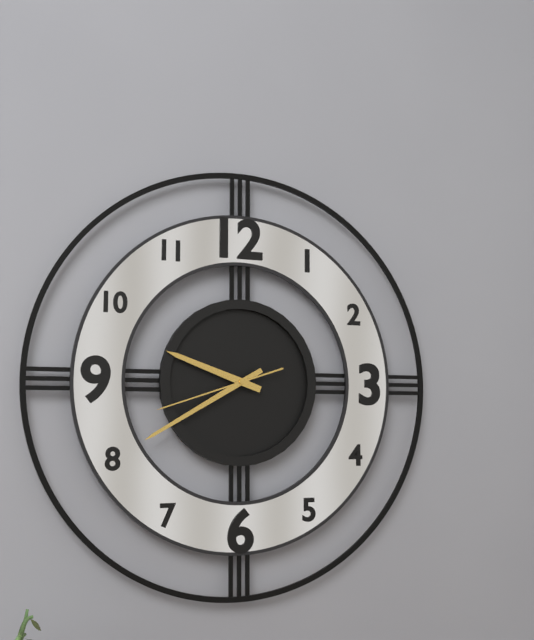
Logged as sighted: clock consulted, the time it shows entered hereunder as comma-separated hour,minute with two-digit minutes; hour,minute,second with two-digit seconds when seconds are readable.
9,40,42
